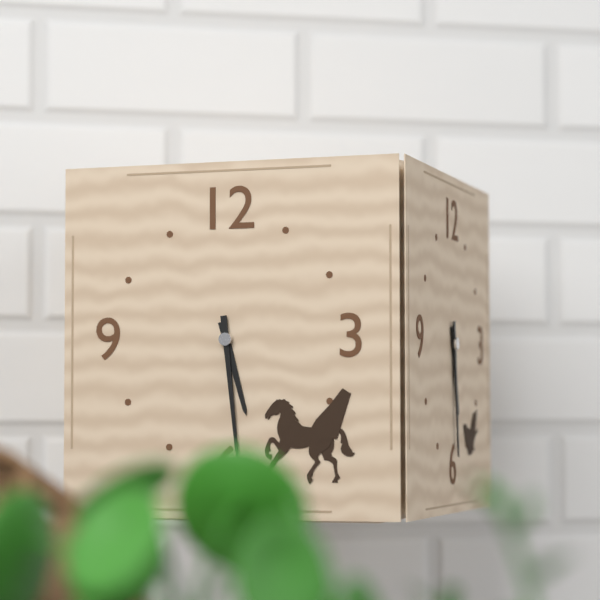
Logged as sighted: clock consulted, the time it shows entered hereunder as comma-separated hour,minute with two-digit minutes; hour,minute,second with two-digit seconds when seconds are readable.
5,29
